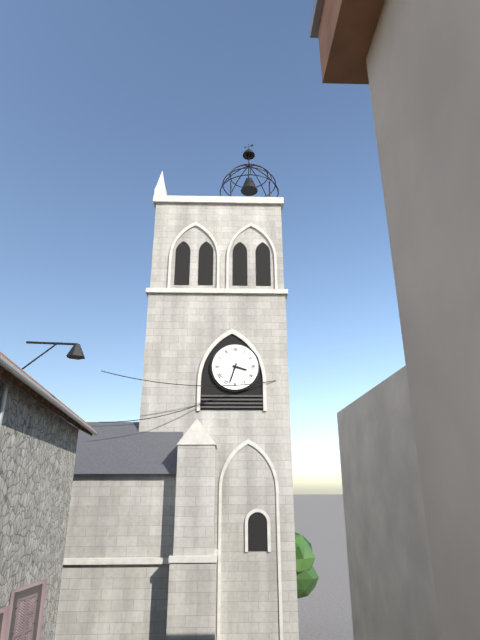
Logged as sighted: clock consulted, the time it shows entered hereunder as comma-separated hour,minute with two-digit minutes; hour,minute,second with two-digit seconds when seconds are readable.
3,33
